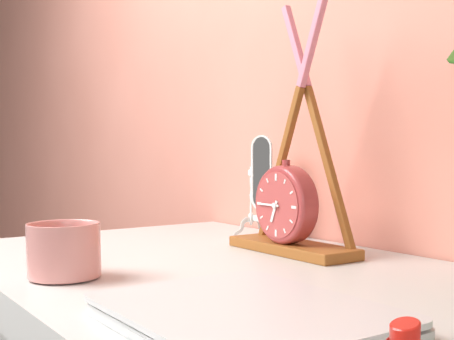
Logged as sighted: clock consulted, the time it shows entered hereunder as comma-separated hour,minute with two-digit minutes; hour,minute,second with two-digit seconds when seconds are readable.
6,45
